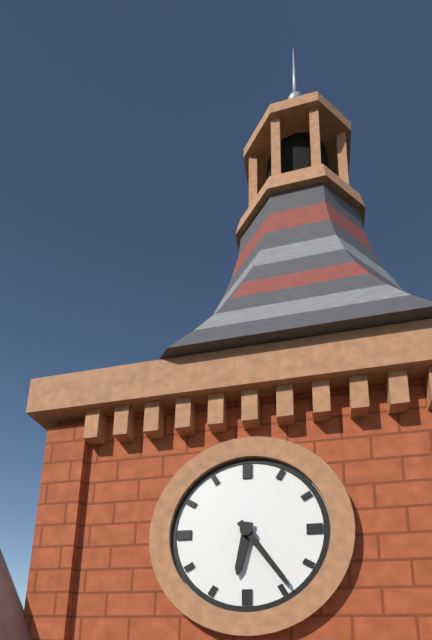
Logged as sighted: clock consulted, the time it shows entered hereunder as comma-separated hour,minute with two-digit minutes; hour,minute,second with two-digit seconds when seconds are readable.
6,24
